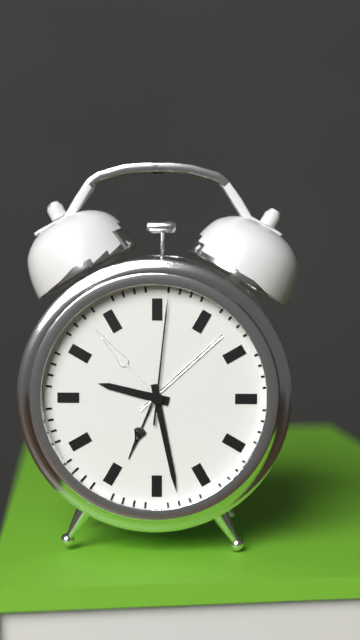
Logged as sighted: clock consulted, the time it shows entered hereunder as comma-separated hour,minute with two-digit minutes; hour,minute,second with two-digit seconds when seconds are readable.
9,28,01
